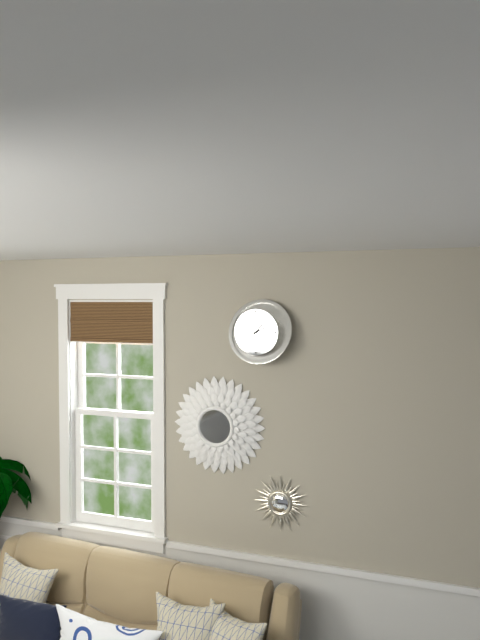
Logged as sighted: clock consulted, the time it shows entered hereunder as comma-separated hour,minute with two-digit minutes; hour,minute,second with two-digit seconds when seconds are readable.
2,07
